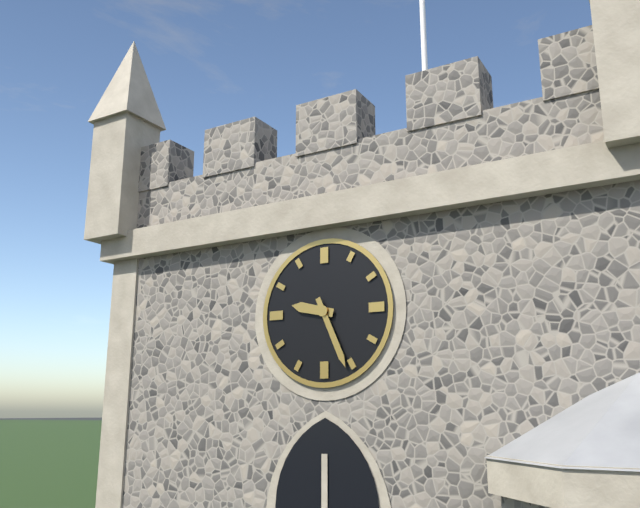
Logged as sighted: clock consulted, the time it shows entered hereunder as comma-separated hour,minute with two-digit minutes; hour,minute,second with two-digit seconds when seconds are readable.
9,26
